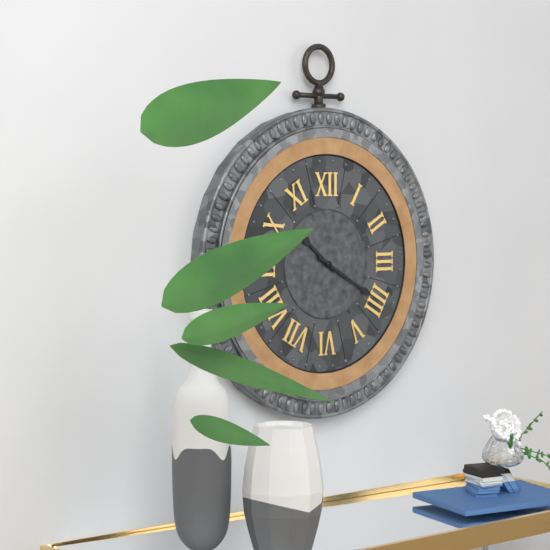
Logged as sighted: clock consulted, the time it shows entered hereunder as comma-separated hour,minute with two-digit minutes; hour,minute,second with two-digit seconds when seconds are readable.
10,20
